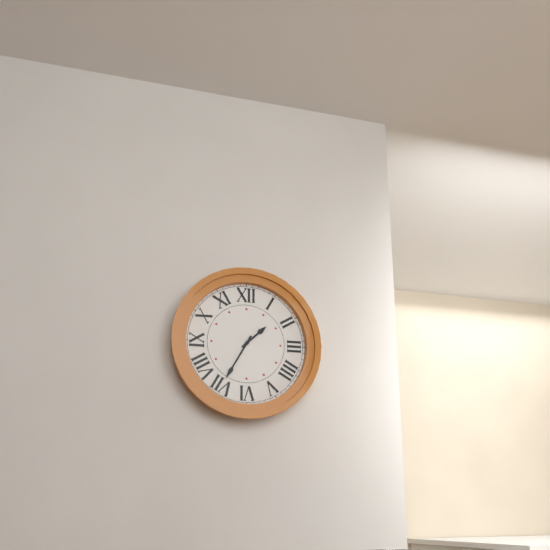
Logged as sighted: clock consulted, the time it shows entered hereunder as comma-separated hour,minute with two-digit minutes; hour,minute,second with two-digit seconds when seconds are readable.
1,35
